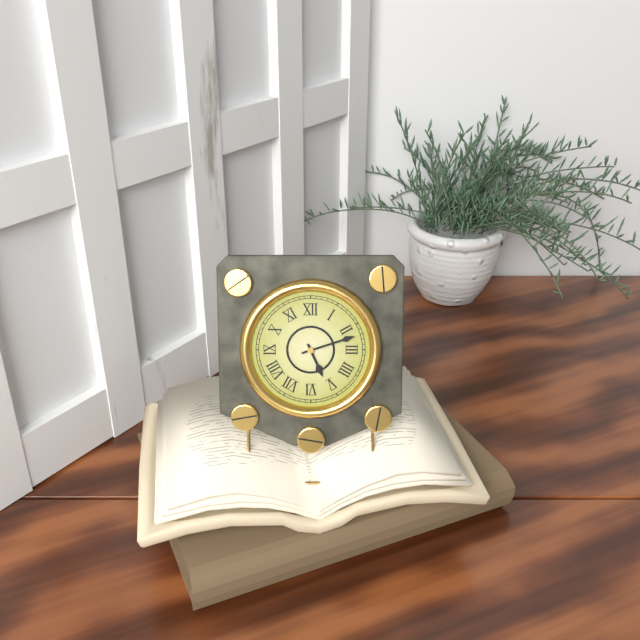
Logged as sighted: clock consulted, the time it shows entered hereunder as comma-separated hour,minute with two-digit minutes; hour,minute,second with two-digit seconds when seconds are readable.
5,12
